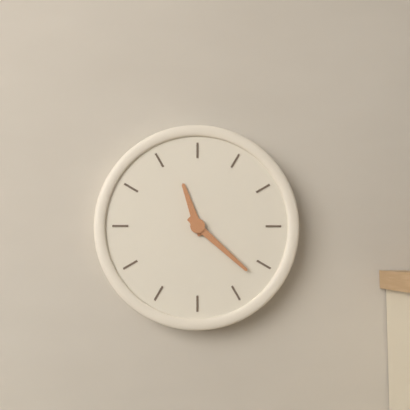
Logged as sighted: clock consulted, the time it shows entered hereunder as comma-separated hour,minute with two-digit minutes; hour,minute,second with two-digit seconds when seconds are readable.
11,22
